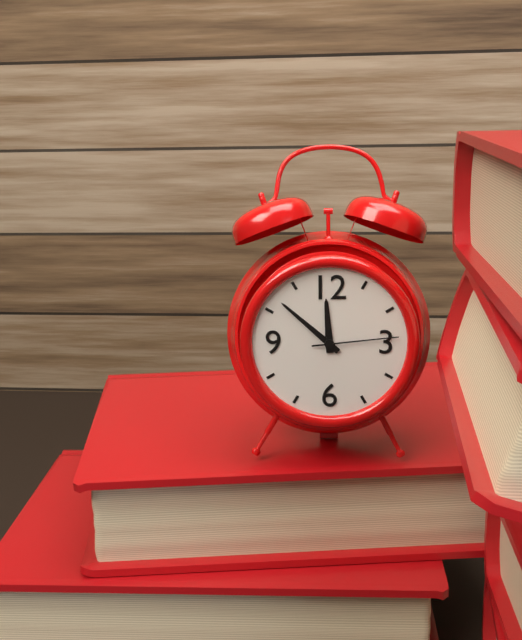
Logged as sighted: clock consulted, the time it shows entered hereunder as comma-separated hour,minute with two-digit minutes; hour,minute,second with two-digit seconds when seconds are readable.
11,52,14
